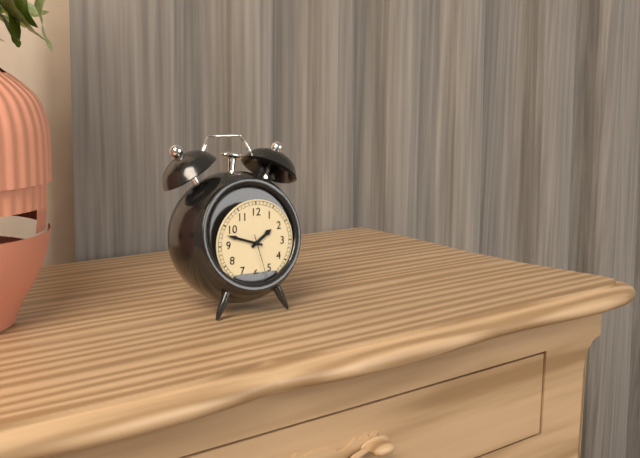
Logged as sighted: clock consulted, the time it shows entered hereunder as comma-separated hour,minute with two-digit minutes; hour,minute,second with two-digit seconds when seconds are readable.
1,48
